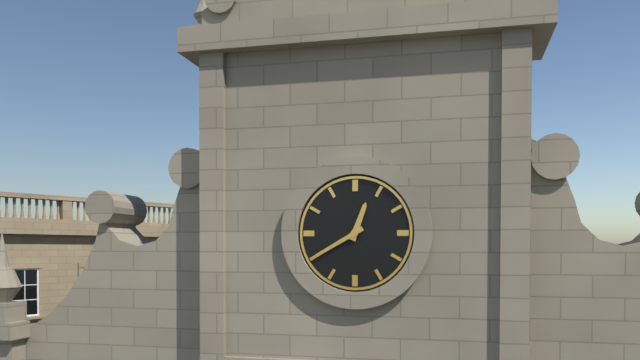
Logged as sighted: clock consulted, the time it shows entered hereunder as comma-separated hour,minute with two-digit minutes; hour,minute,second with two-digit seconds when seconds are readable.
12,40
